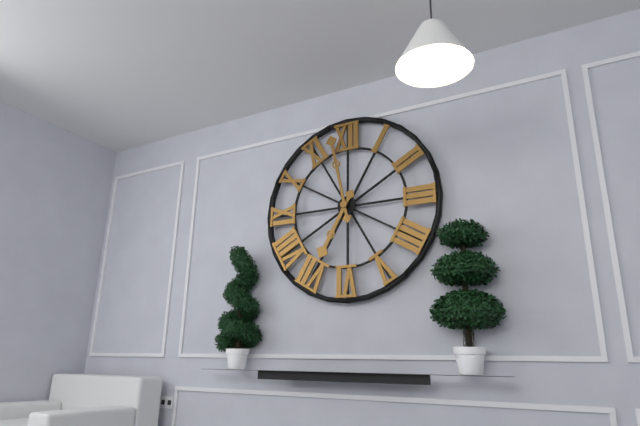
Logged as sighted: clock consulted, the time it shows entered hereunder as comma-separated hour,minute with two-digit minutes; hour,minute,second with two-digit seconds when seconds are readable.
6,58
